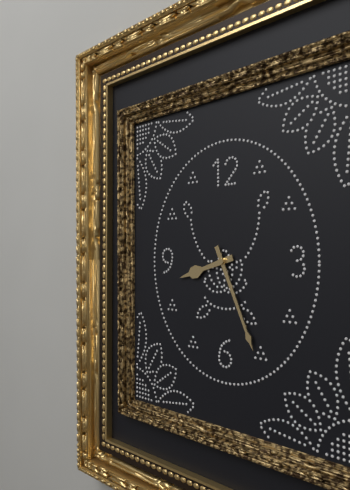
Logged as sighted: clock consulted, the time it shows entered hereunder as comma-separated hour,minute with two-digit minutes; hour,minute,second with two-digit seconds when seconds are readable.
8,26
